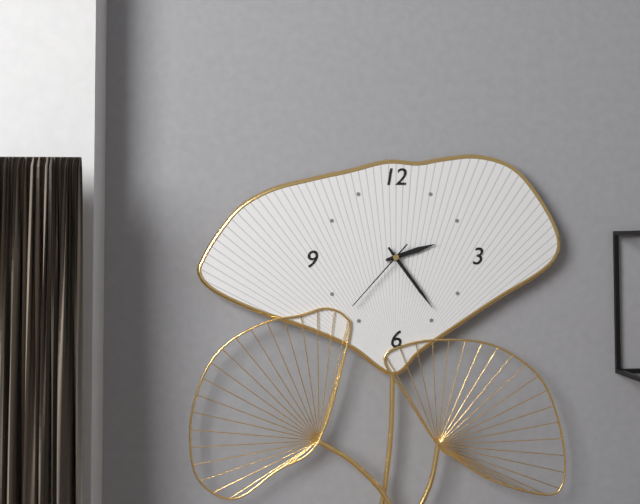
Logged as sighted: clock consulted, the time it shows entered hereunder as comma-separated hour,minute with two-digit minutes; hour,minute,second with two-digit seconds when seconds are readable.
2,24,37
